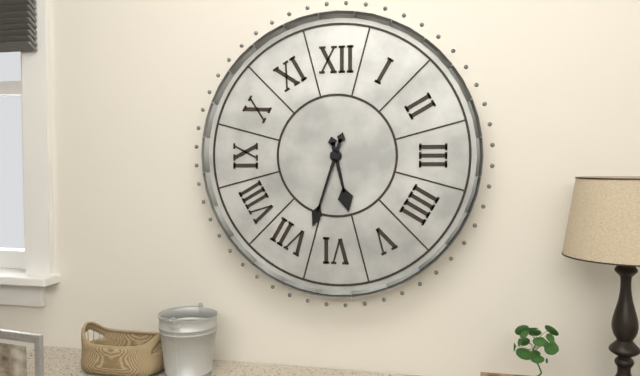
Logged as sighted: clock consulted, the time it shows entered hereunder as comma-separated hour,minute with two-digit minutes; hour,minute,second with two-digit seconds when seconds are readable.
5,33
